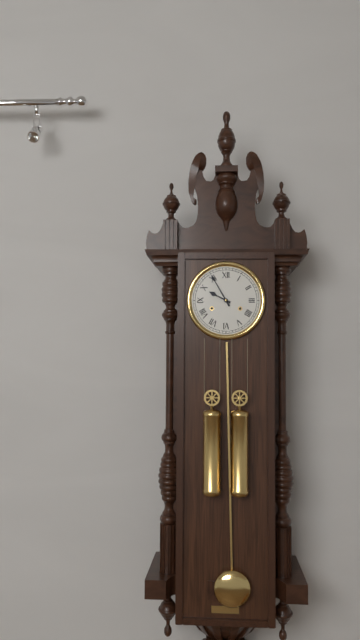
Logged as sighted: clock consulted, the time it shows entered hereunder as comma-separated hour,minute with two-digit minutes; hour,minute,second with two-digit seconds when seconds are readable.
9,55
